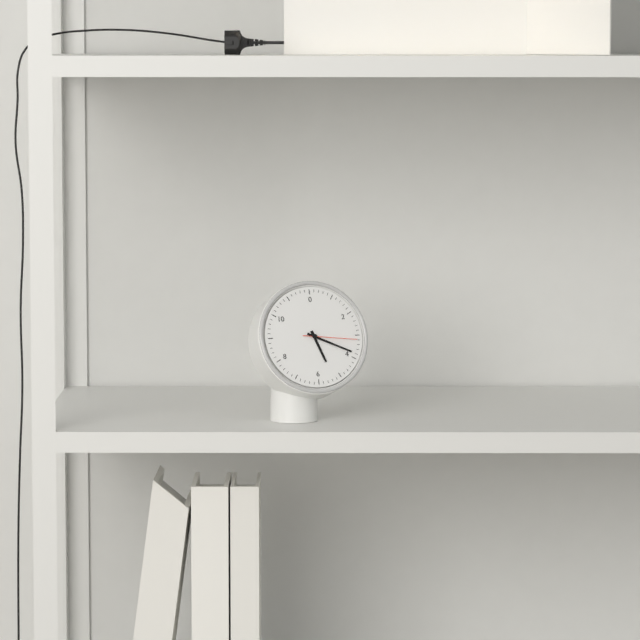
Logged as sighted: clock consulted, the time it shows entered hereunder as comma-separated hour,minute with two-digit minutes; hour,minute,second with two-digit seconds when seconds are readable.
5,19,16
